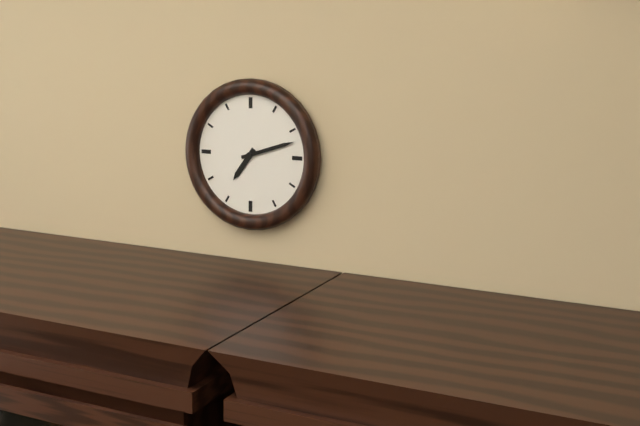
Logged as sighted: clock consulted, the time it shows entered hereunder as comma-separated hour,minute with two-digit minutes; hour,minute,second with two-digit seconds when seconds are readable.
7,12
